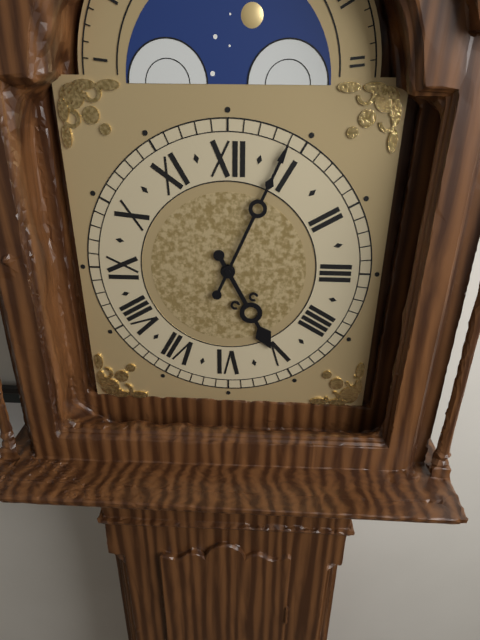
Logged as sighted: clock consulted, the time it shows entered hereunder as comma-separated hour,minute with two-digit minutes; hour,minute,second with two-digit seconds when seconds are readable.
5,04
